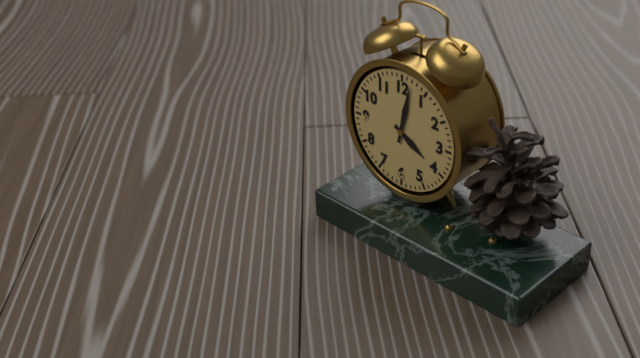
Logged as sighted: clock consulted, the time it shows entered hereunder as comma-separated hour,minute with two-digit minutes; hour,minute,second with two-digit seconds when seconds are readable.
4,02
